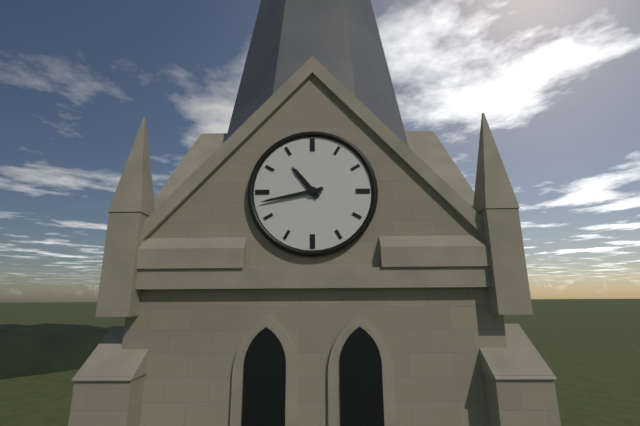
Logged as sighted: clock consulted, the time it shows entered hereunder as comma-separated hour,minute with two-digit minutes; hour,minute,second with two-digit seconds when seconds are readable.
10,43
